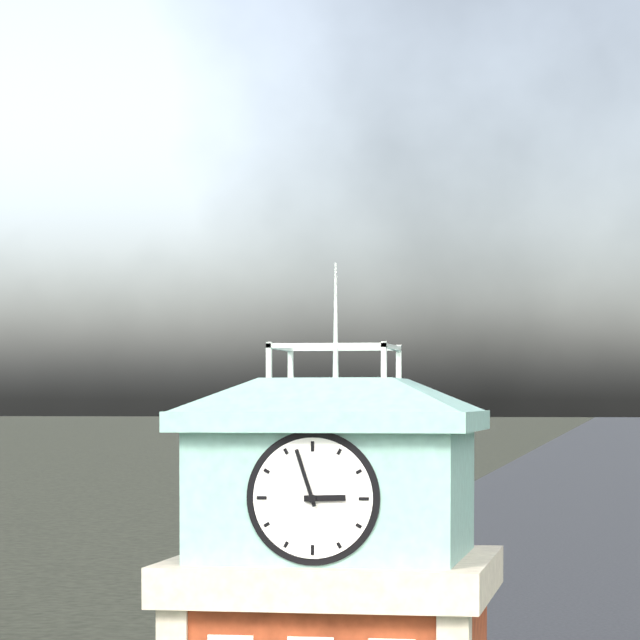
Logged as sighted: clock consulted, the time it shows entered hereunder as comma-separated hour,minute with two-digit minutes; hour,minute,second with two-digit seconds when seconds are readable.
2,57
